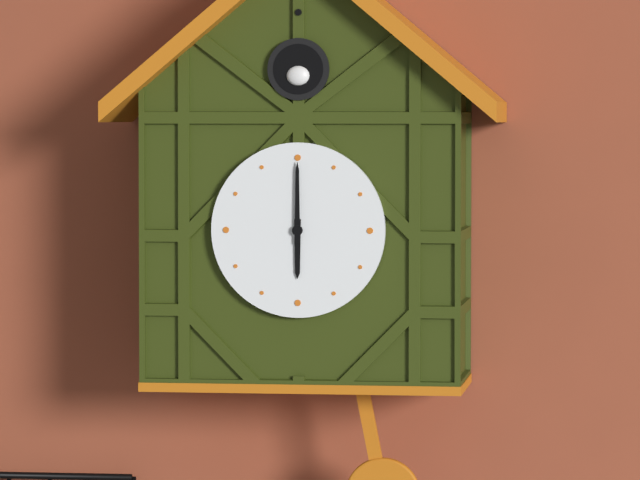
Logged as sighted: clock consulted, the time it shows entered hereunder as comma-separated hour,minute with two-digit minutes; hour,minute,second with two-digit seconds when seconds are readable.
6,00
